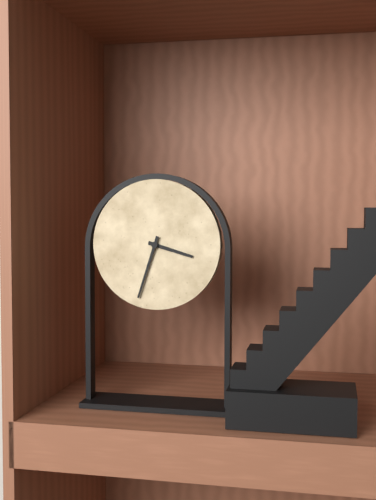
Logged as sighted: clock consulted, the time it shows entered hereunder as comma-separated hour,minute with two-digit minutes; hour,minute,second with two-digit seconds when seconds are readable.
3,33
